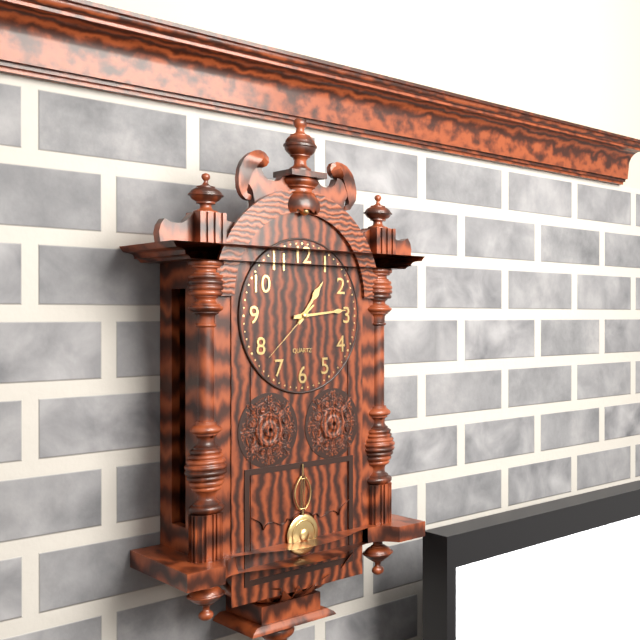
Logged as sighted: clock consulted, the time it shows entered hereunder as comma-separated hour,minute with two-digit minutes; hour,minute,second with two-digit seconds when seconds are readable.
1,14,38
